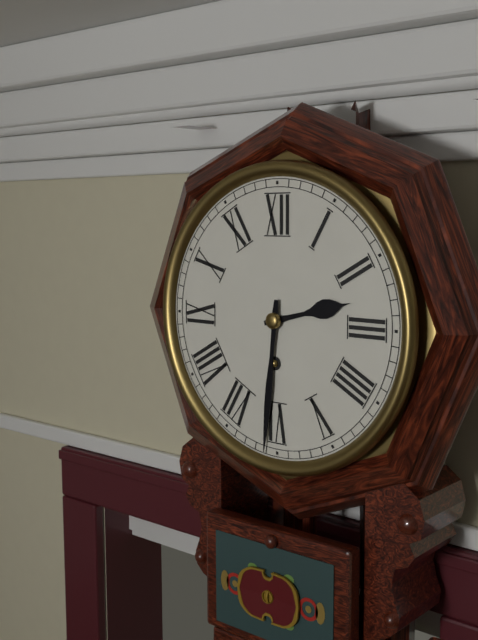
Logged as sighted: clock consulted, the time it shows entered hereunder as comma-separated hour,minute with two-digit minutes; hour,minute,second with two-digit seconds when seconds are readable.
2,31
